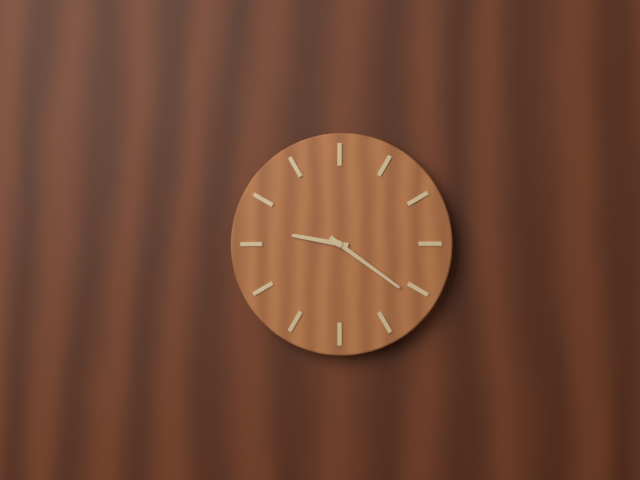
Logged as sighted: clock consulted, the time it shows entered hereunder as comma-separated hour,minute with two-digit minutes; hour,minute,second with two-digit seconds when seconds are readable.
9,21
